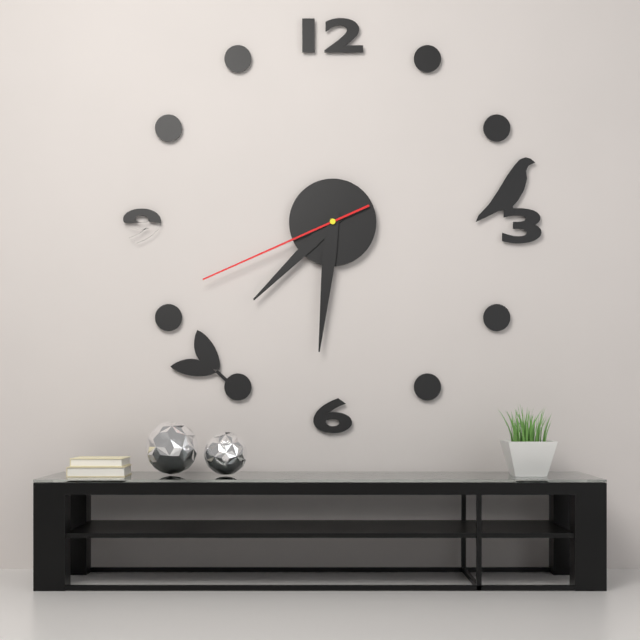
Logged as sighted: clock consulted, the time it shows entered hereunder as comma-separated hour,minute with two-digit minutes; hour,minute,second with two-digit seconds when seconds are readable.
7,31,41
